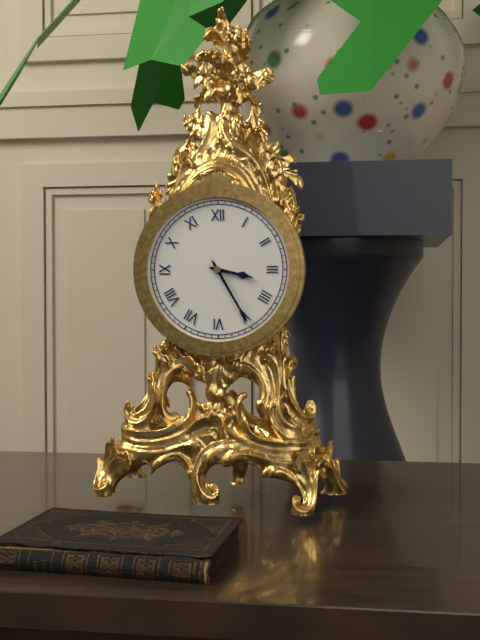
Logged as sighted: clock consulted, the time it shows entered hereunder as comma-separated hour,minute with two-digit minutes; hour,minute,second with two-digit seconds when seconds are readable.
3,25
